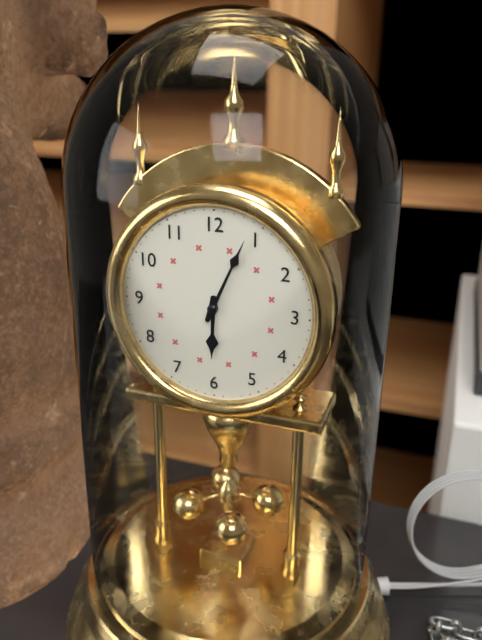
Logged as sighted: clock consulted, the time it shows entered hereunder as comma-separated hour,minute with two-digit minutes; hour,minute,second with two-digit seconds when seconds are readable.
6,04
